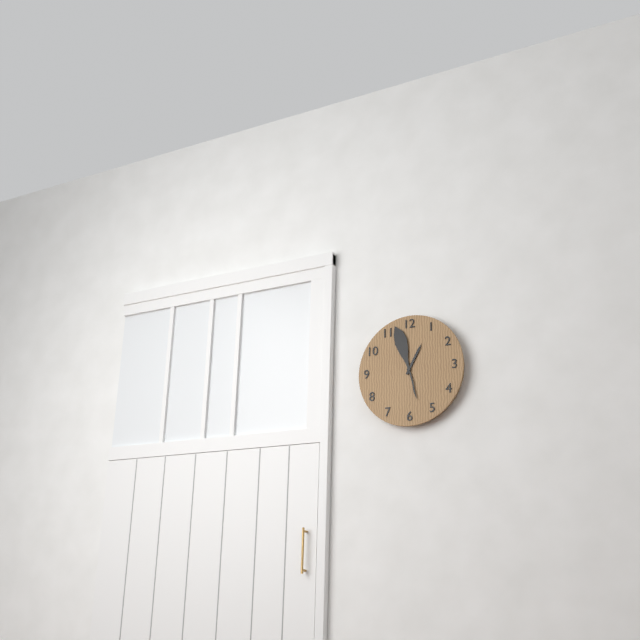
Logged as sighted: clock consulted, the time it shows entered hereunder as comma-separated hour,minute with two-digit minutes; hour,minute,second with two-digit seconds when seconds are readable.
12,57
